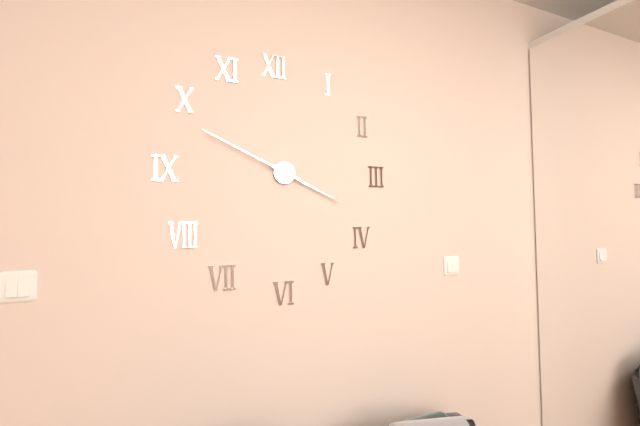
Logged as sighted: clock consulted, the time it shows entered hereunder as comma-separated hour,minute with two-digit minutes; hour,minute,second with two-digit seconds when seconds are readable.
3,49
